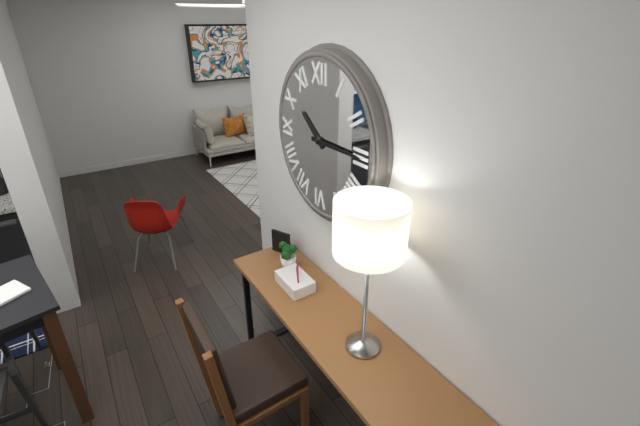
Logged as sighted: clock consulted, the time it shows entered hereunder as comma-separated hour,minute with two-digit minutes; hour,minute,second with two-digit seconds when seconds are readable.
10,15
